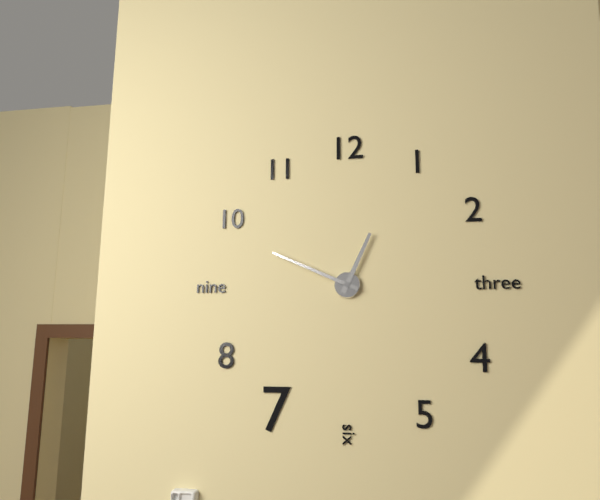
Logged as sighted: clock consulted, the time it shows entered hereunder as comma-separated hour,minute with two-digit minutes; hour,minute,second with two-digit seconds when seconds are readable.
12,49
